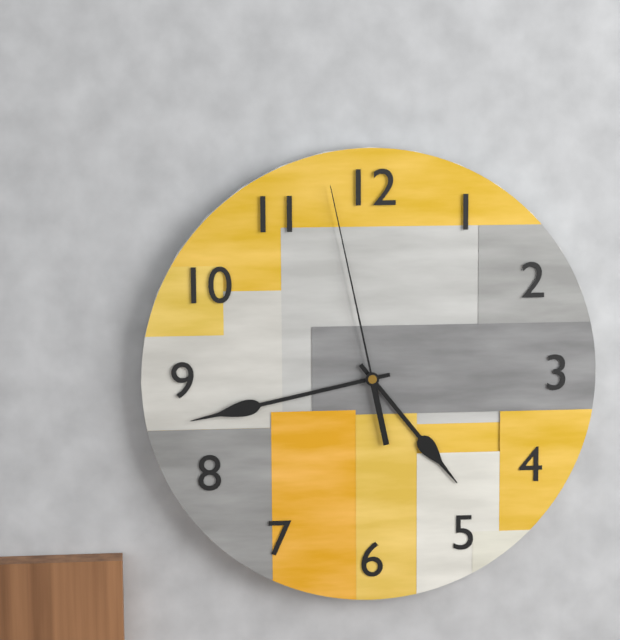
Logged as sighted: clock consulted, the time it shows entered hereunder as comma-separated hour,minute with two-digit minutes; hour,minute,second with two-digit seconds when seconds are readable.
4,43,58
